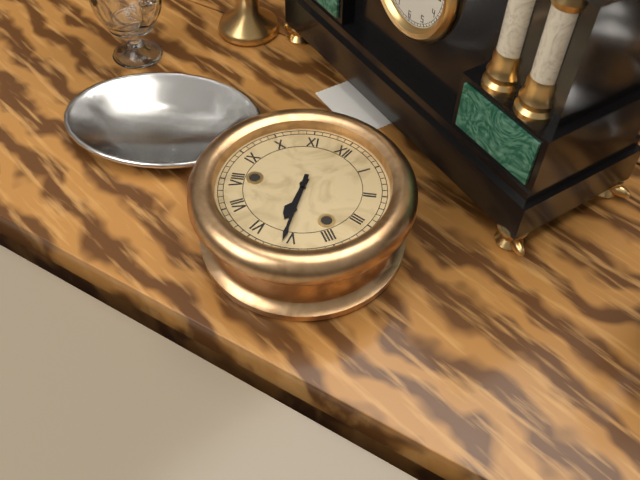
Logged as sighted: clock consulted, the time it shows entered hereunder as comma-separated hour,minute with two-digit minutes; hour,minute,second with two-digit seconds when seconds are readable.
5,26
